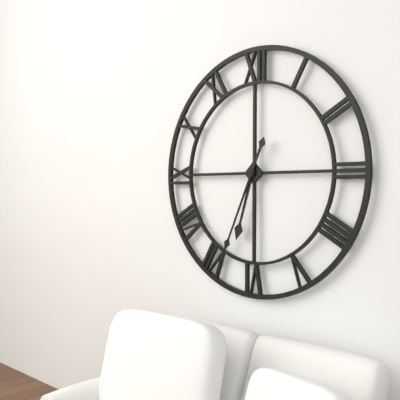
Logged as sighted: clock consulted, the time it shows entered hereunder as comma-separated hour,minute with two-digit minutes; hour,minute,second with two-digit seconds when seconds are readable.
6,34
